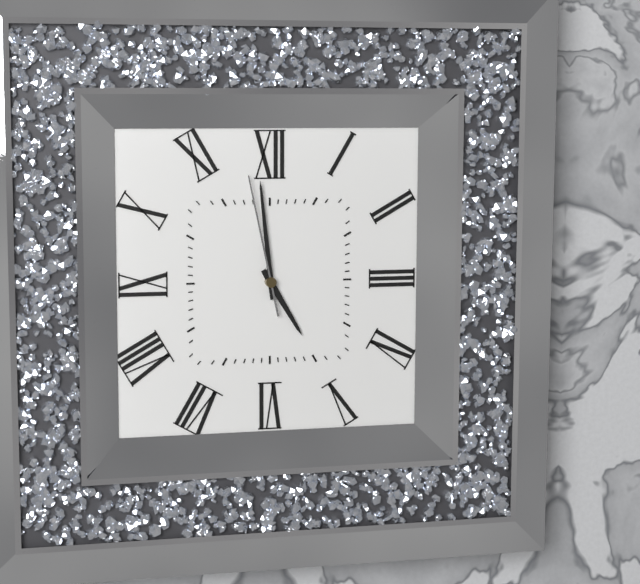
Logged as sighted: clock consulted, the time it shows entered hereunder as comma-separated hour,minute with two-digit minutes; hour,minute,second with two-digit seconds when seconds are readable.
4,59,58
